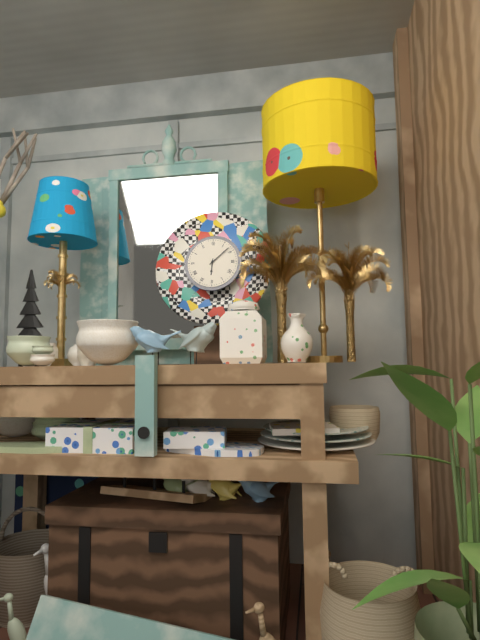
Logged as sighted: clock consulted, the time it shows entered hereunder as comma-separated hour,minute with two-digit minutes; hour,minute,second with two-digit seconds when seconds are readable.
6,08
